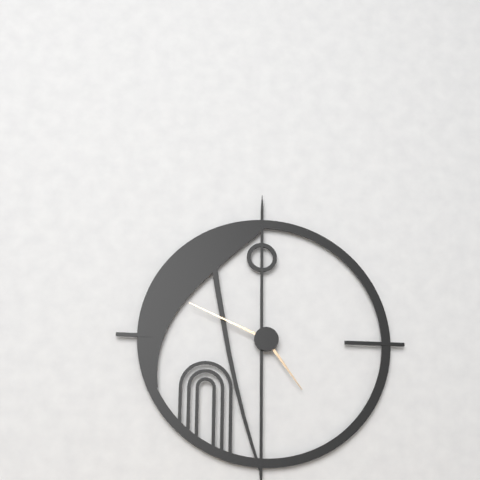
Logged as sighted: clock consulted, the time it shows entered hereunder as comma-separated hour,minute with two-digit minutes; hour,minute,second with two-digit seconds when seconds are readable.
4,49
